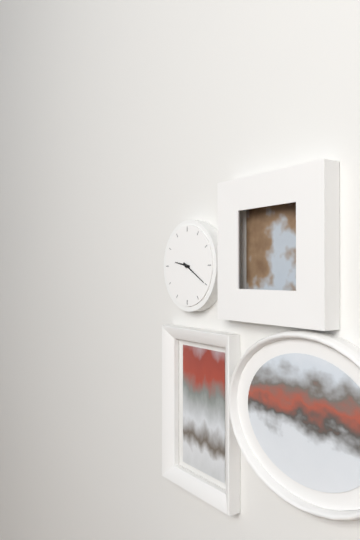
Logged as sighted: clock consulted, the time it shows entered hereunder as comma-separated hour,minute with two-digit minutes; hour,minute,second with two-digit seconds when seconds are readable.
9,20
